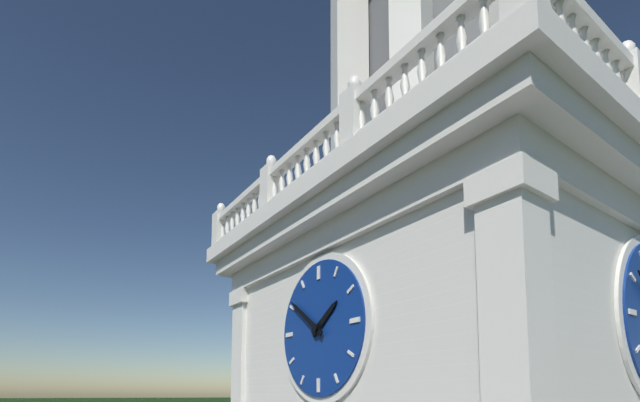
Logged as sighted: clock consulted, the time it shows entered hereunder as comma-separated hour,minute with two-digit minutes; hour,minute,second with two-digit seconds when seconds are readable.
1,51
